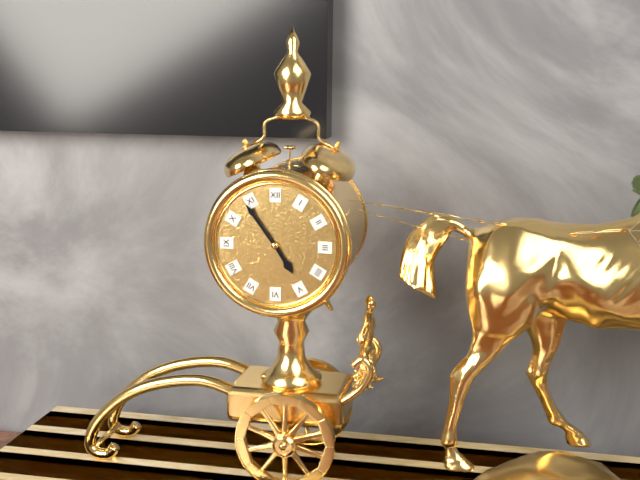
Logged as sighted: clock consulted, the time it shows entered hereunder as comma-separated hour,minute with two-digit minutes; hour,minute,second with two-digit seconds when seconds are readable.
4,54
